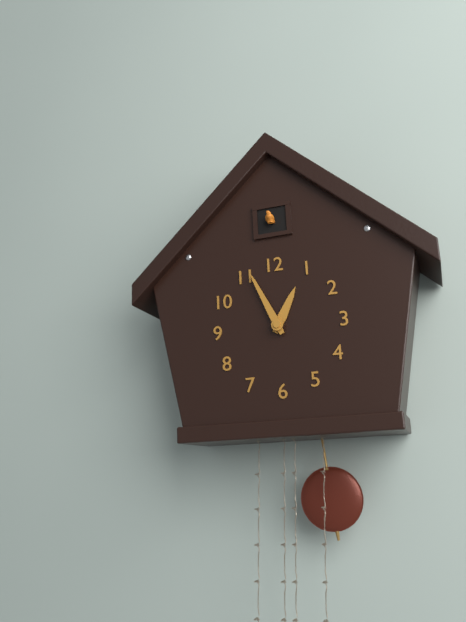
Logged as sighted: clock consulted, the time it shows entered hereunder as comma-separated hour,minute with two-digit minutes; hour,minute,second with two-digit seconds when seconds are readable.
12,56
